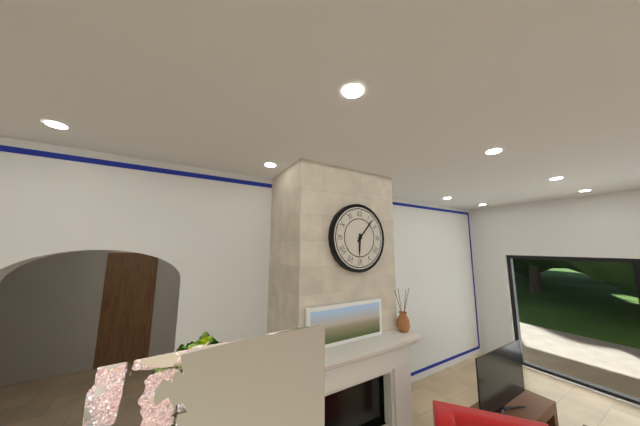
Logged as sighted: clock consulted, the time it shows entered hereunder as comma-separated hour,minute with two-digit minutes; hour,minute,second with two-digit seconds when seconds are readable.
6,07
